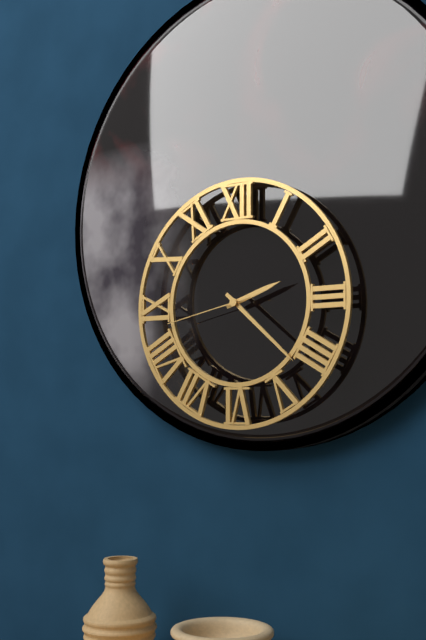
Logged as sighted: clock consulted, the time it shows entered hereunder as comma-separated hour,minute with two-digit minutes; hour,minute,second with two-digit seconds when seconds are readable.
2,22,43
